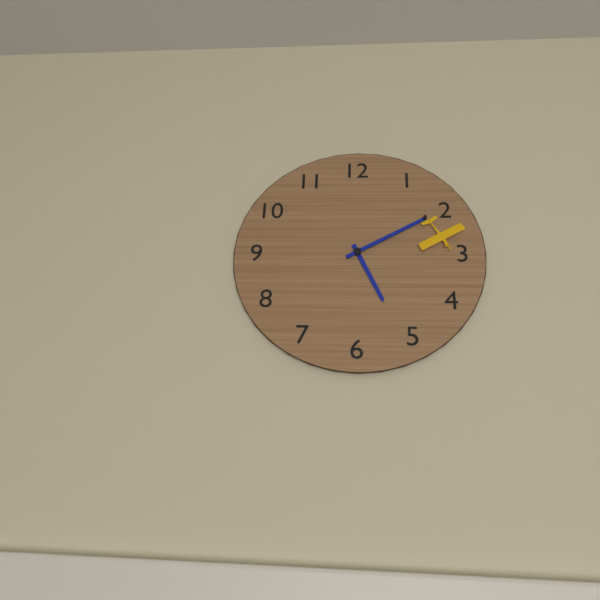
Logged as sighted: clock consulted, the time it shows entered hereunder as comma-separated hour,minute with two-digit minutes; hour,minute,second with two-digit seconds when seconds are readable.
5,10
